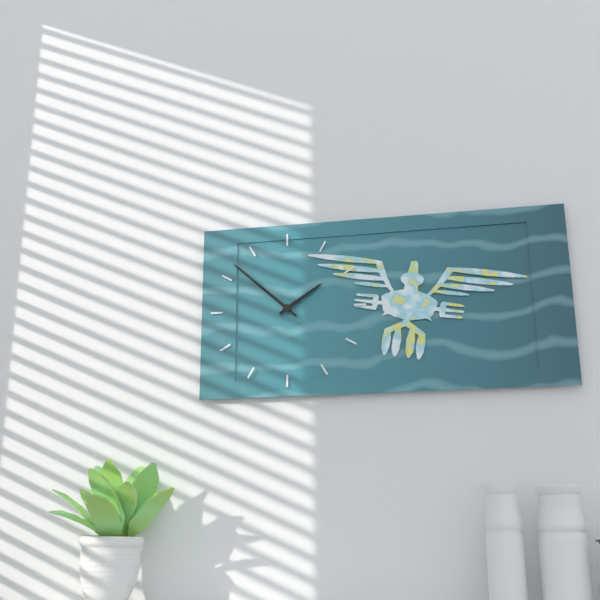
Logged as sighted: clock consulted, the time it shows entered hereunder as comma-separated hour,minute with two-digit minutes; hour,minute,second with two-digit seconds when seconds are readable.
1,52
